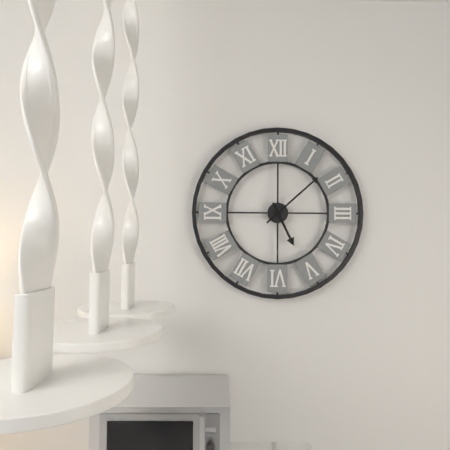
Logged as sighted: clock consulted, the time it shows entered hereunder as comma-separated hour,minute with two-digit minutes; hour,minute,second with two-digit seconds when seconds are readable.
5,08
